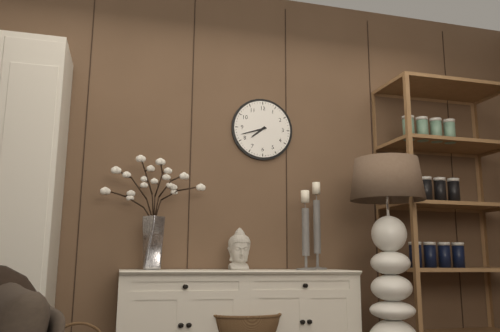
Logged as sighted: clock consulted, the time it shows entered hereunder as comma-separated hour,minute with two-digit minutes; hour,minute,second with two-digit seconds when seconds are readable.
7,42
